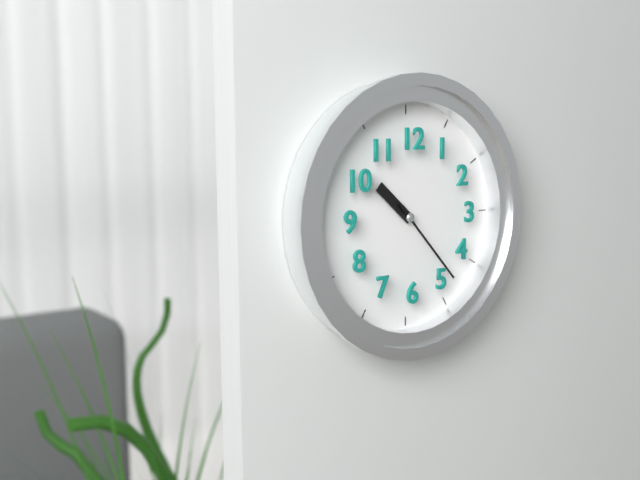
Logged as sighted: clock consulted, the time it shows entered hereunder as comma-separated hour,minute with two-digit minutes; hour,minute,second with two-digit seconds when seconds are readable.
10,23
